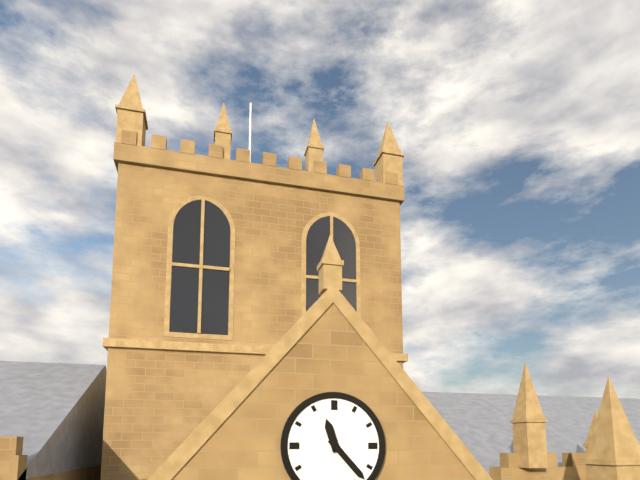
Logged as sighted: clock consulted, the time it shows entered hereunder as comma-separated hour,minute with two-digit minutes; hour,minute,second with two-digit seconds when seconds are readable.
11,23
